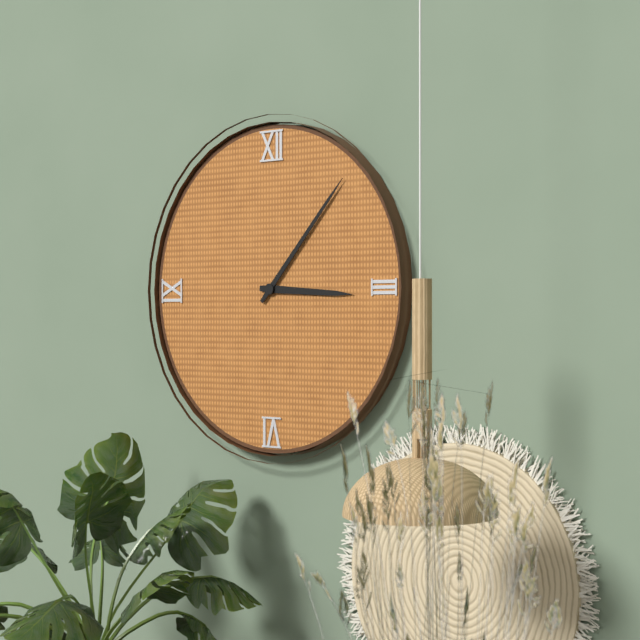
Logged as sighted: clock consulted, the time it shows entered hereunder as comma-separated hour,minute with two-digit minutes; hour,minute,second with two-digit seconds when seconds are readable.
3,07
